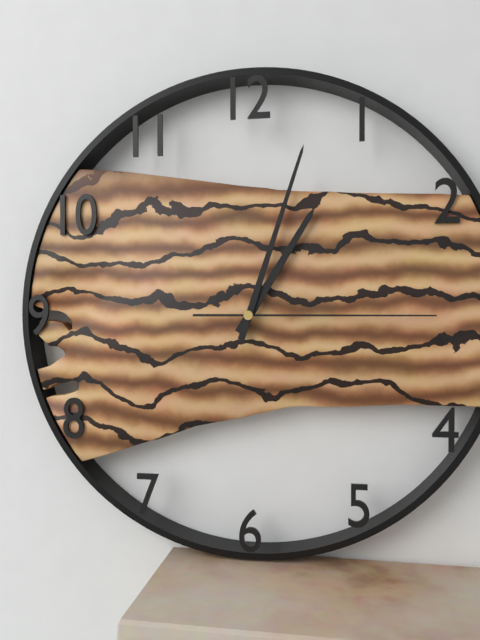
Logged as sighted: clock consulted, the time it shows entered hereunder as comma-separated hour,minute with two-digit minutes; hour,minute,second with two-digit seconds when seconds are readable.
1,03,15
